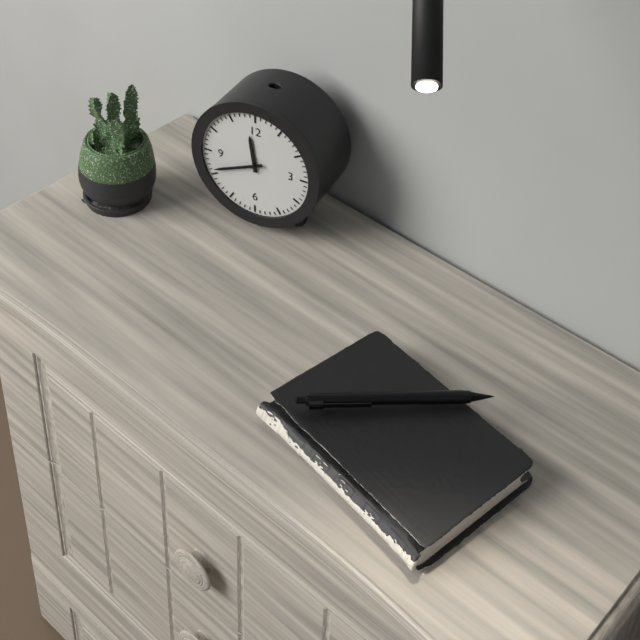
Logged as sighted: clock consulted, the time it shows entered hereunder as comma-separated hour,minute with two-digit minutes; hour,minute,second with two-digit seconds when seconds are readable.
11,41
